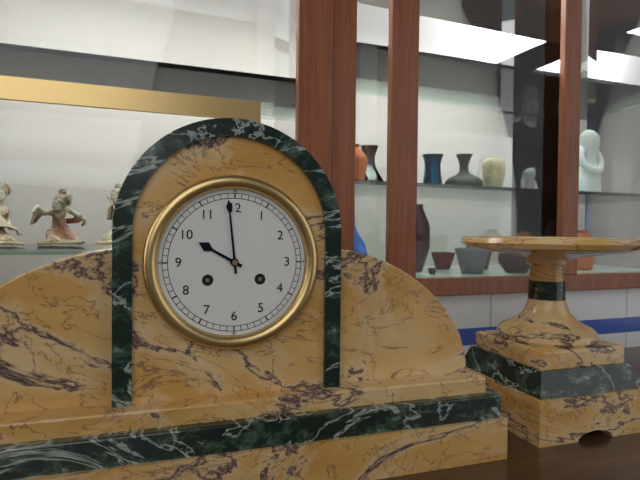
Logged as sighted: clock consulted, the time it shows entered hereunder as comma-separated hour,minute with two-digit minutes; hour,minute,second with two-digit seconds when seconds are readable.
9,59
